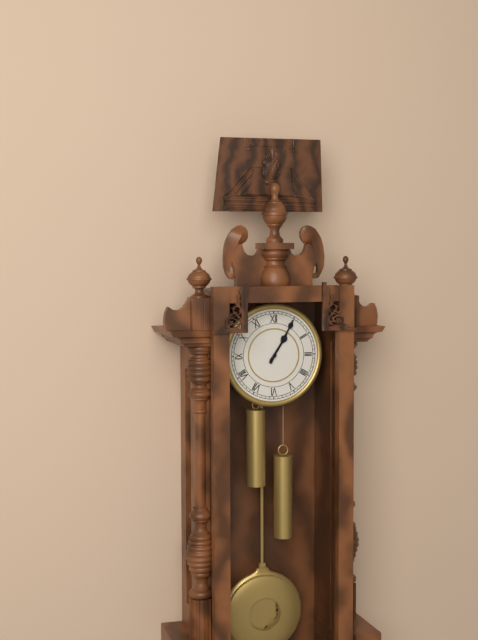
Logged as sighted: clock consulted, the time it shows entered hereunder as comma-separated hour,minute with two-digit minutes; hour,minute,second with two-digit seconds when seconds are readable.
1,05
